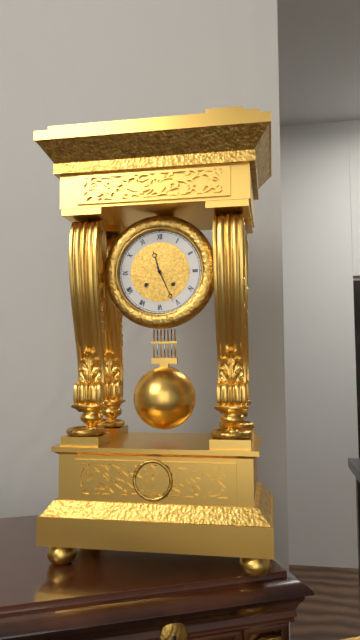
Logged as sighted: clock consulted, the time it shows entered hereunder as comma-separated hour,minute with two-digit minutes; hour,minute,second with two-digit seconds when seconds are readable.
11,26
